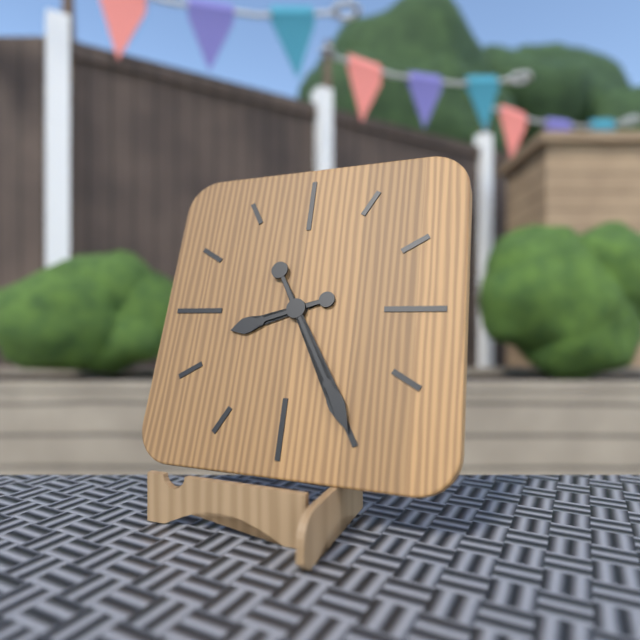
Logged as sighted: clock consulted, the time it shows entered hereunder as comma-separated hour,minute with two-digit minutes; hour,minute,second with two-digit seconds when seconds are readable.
8,25
